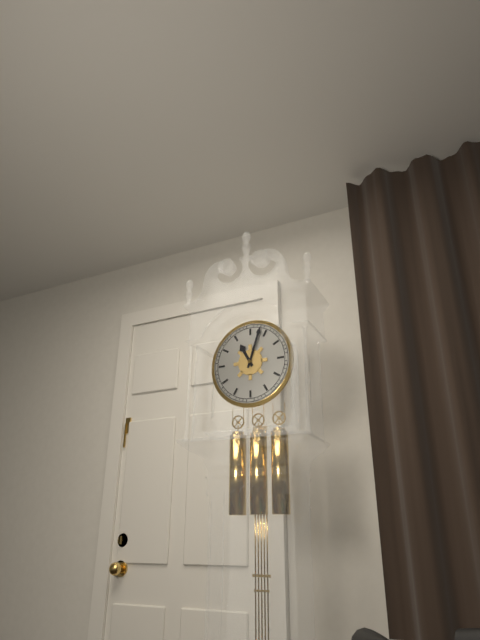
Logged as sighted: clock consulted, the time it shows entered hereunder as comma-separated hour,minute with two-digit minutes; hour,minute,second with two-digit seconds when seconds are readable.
11,03
